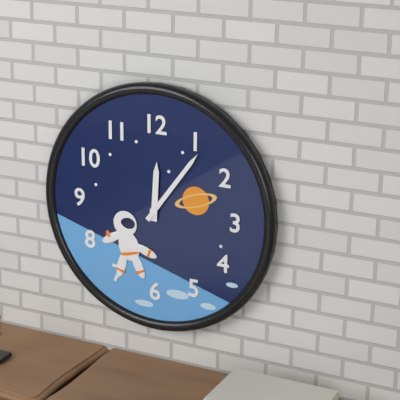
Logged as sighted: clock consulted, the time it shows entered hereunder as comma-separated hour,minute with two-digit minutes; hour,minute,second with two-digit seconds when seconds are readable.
12,06
